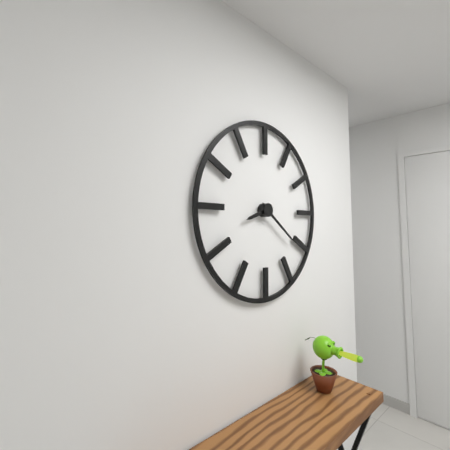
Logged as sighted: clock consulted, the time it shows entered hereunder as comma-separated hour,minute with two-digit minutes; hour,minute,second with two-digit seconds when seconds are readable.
8,21
